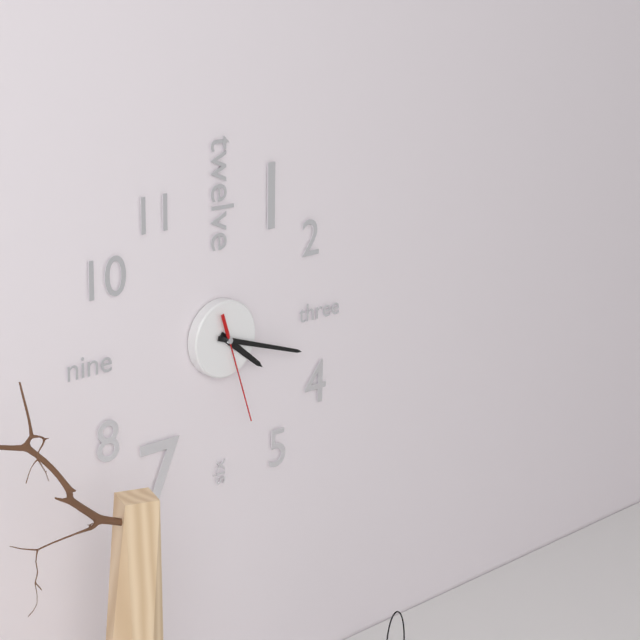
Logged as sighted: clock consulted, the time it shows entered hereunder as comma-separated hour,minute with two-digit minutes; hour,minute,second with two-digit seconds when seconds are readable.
4,18,27
